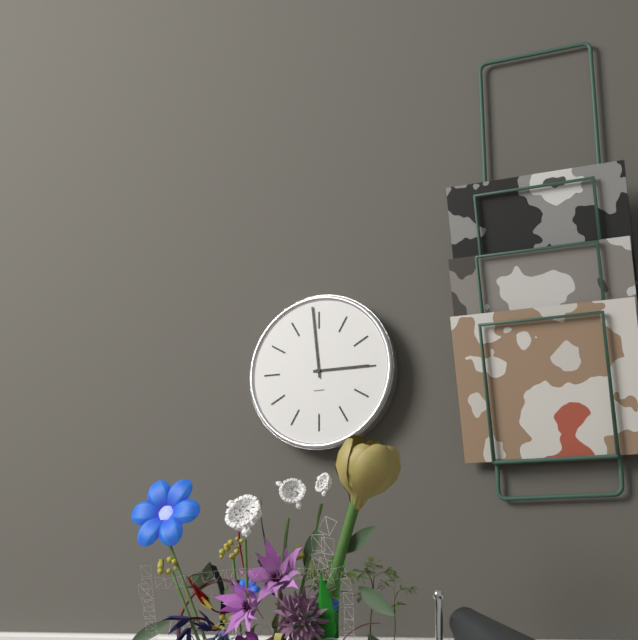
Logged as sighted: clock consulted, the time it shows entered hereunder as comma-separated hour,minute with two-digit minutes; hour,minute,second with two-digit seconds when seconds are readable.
2,59
